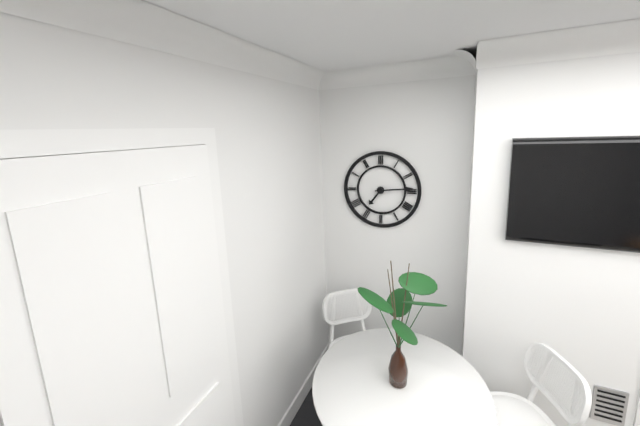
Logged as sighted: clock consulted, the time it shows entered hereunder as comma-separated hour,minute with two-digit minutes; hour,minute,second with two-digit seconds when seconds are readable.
7,14
